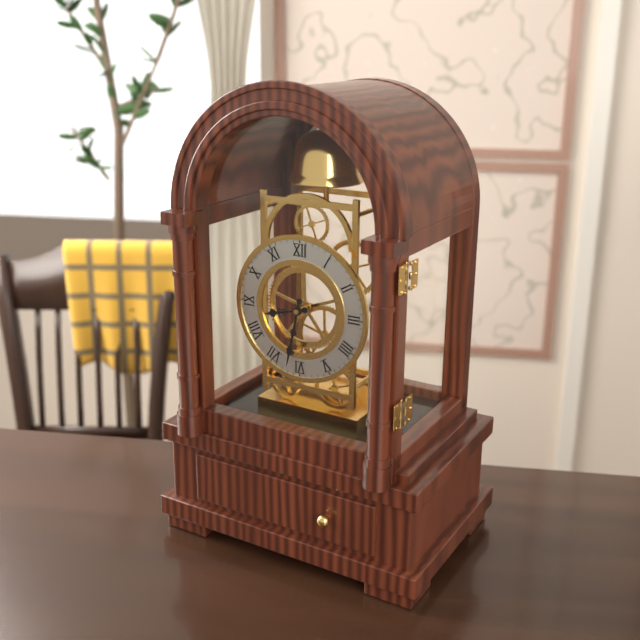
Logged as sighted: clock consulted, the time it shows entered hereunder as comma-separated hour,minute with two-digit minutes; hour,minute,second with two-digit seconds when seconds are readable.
8,32
